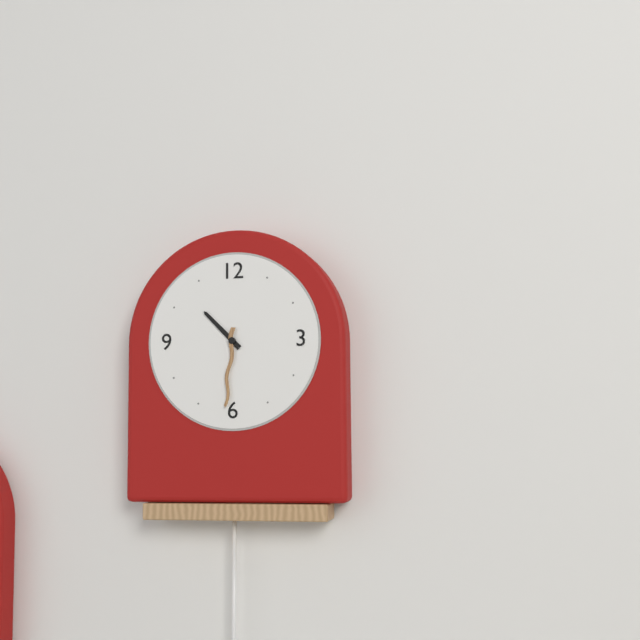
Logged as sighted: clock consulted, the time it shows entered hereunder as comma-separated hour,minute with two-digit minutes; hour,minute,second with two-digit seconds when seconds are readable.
10,31
